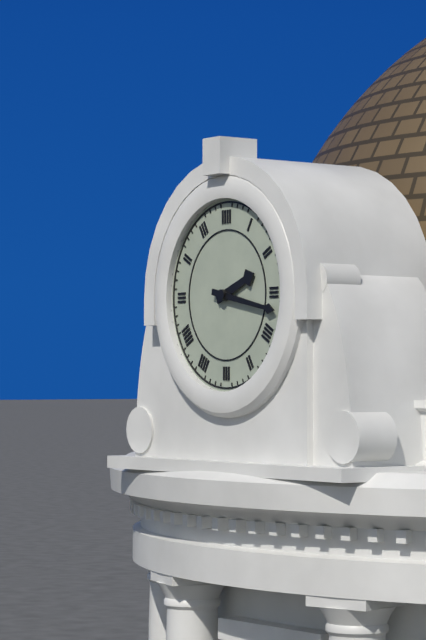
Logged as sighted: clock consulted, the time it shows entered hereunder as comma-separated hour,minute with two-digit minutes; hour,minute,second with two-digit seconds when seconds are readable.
2,17
